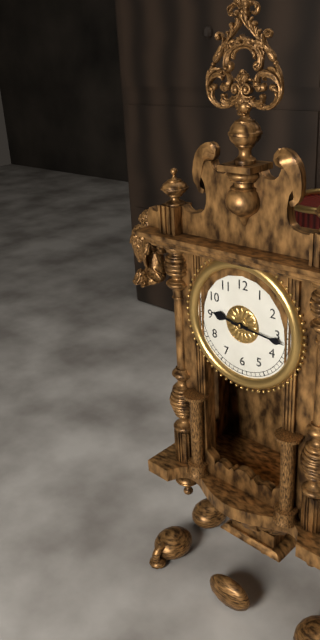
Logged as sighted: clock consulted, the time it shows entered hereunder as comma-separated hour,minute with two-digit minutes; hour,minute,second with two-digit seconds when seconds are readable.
9,16
